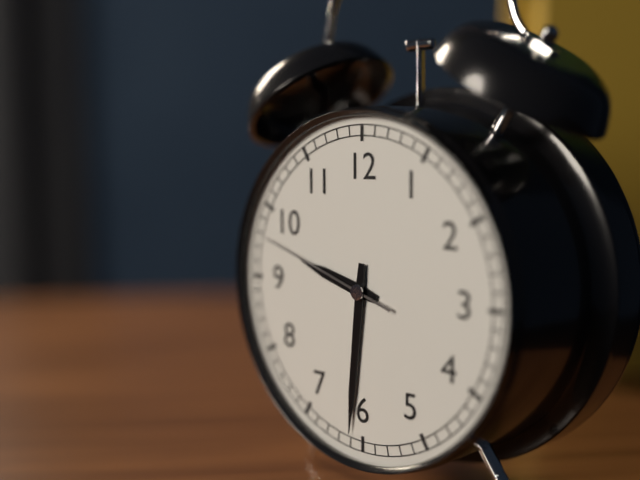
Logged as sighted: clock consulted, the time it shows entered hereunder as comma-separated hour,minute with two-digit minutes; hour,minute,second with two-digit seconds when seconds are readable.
9,31,48
